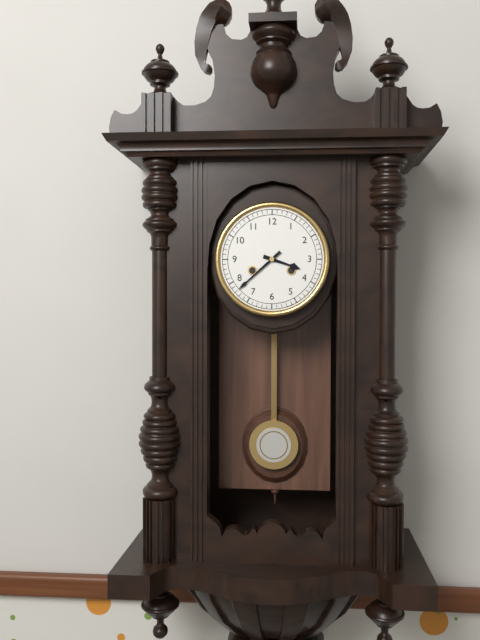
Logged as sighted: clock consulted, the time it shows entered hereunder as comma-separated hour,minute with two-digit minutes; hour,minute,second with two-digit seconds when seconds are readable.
3,38
